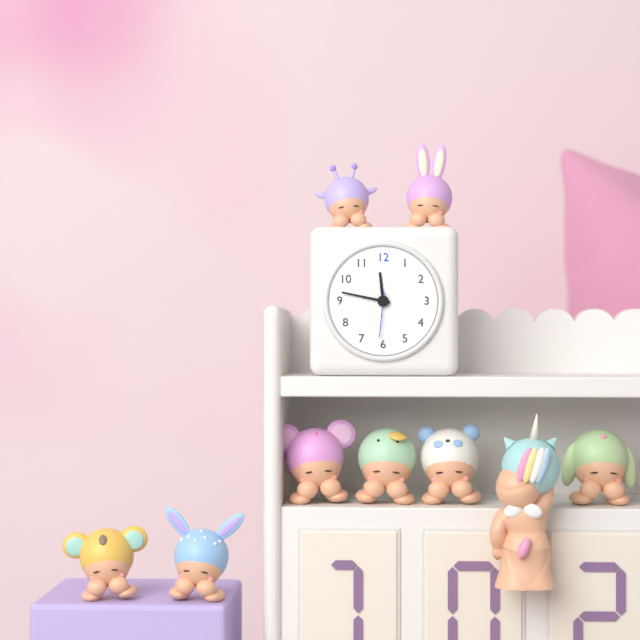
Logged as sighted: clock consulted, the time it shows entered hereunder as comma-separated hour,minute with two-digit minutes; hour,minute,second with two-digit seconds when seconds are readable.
11,47
